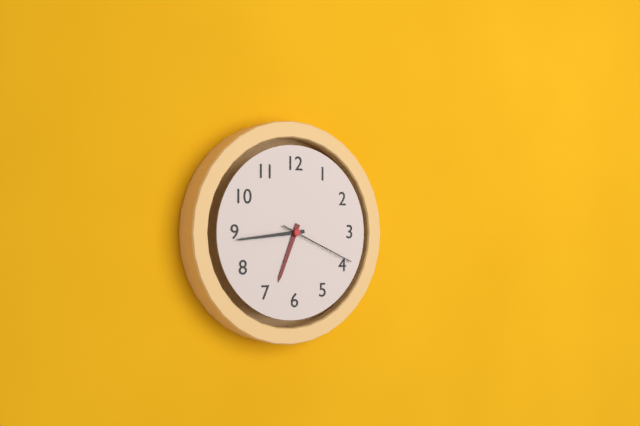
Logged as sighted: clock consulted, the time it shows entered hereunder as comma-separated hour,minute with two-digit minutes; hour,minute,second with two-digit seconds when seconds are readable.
6,44,19
